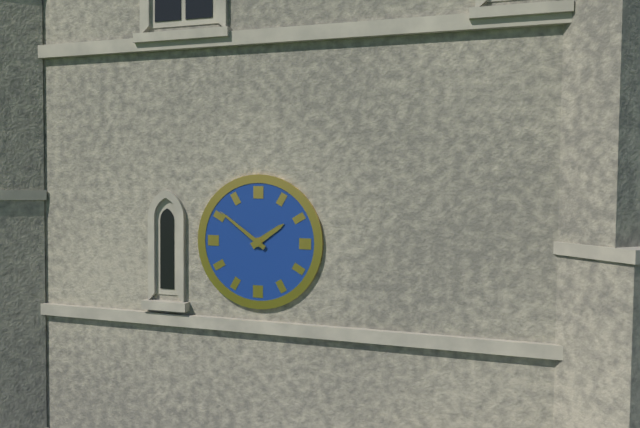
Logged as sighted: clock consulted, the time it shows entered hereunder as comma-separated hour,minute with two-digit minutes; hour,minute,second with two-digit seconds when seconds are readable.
1,51
